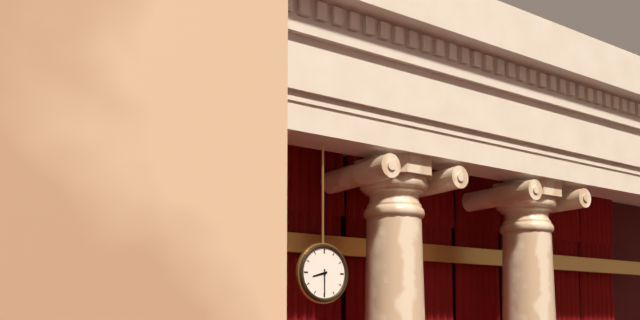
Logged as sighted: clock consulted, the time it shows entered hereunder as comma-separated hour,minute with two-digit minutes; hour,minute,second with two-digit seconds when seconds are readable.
8,30
